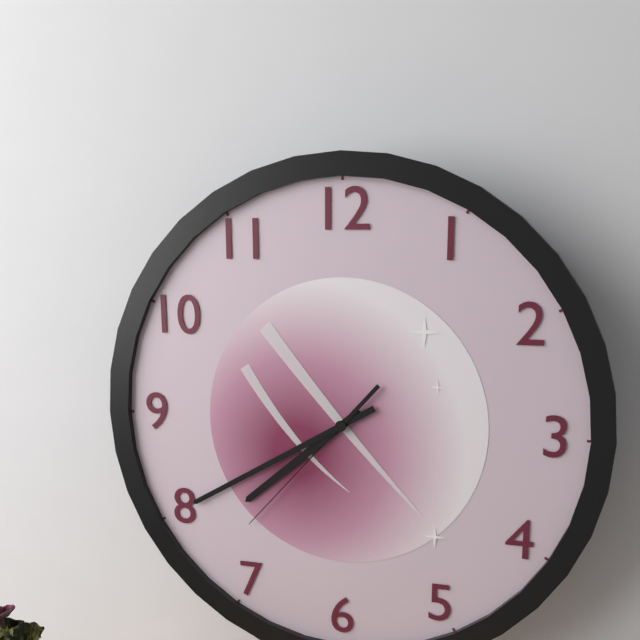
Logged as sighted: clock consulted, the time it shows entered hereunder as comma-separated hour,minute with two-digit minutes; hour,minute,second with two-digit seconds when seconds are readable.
7,40,37
